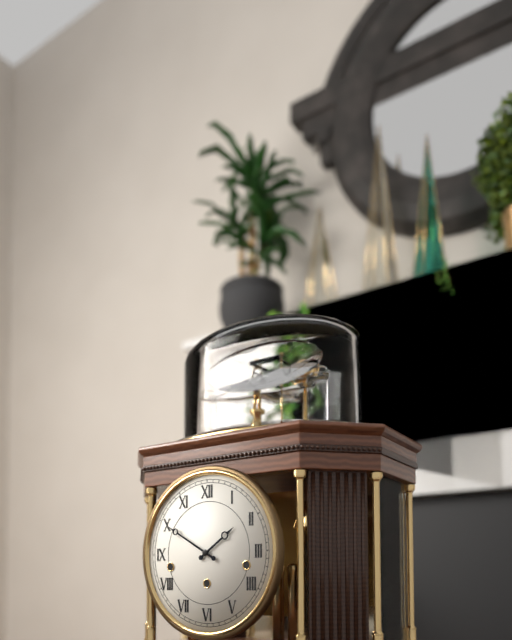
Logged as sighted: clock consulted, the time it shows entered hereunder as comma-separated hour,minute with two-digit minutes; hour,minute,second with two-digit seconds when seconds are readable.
1,50
